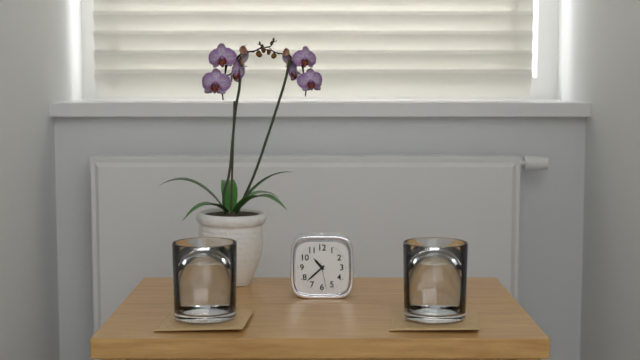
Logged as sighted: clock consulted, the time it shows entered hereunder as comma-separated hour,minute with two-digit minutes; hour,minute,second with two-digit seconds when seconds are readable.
10,38
